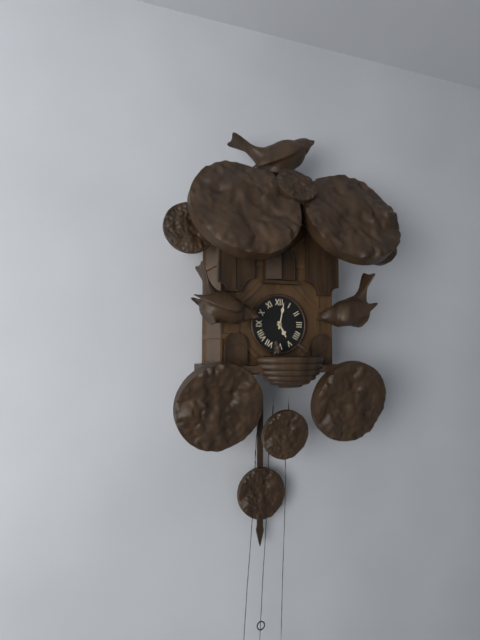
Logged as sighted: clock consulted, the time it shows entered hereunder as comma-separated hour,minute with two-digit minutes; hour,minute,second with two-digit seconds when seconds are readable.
5,02
